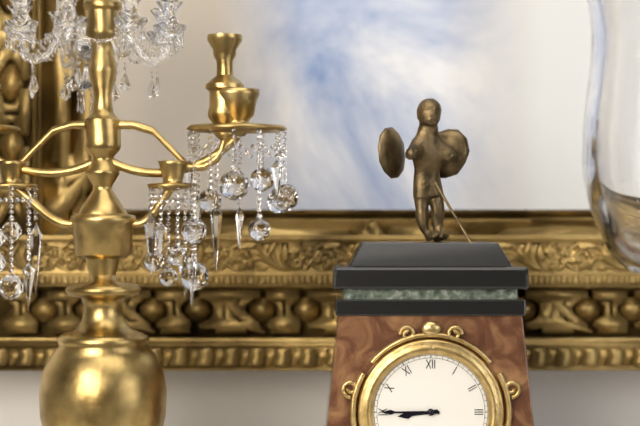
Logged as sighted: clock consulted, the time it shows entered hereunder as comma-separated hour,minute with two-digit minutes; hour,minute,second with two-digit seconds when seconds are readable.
8,45
